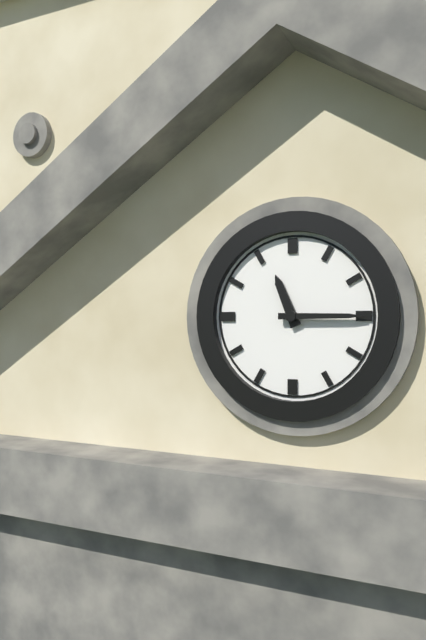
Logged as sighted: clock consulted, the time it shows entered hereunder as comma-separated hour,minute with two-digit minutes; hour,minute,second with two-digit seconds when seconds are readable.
11,15
